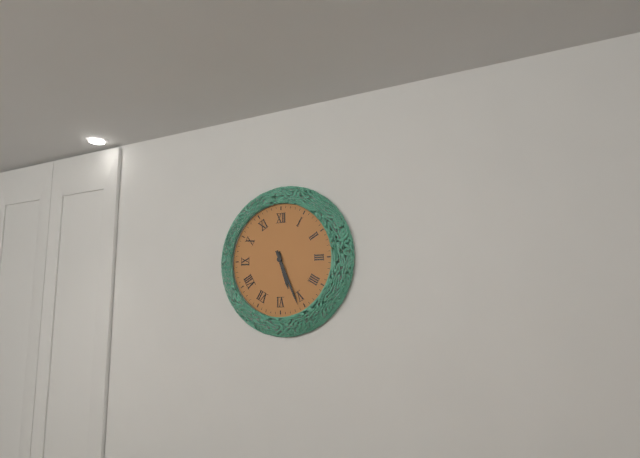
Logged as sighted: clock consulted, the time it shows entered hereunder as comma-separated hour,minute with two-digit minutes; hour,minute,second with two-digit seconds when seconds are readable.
5,26
